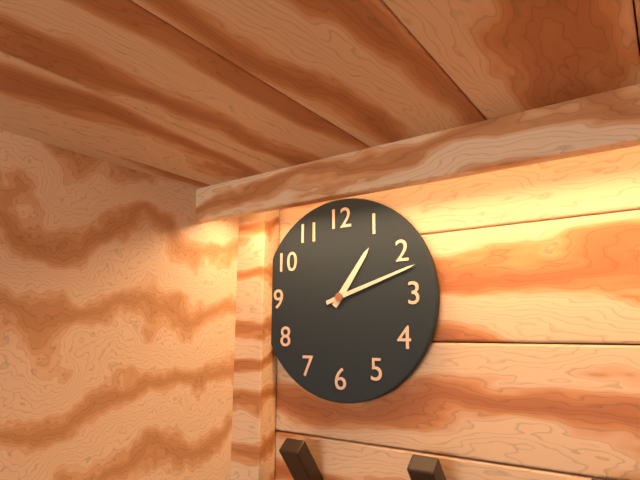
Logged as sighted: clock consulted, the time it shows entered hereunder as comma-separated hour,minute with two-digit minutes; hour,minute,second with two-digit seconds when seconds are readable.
1,12
